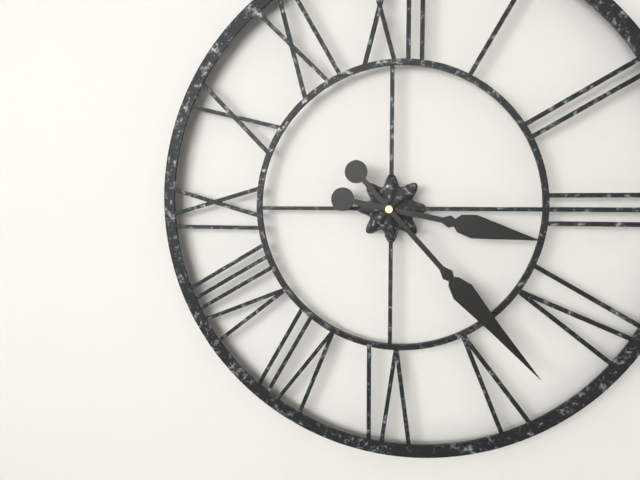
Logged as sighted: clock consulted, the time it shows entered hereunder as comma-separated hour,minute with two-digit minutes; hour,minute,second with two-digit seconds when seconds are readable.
3,23
